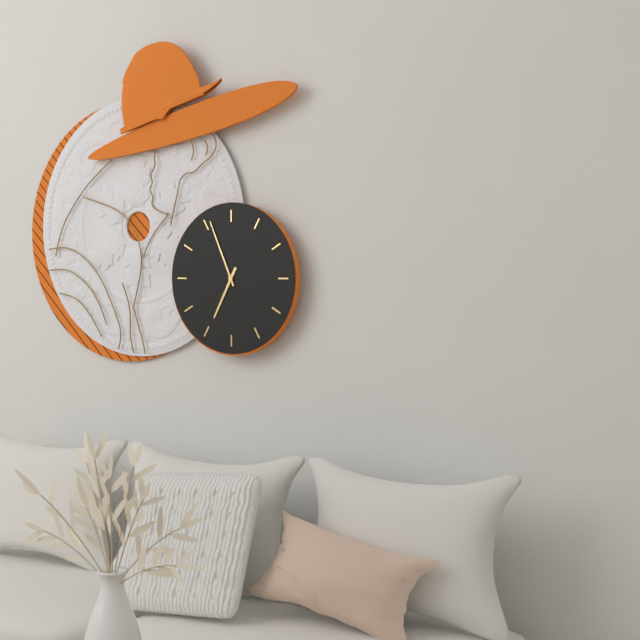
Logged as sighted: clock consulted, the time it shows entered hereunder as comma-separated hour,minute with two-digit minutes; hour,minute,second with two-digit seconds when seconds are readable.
6,56
